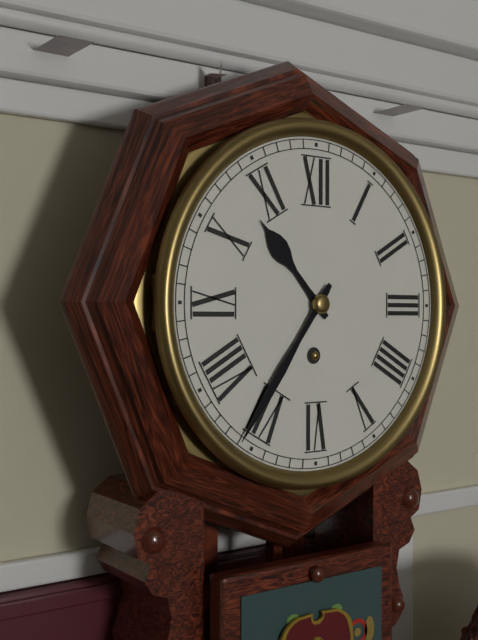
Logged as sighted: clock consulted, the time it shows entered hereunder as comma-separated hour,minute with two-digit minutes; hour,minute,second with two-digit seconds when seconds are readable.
10,36
